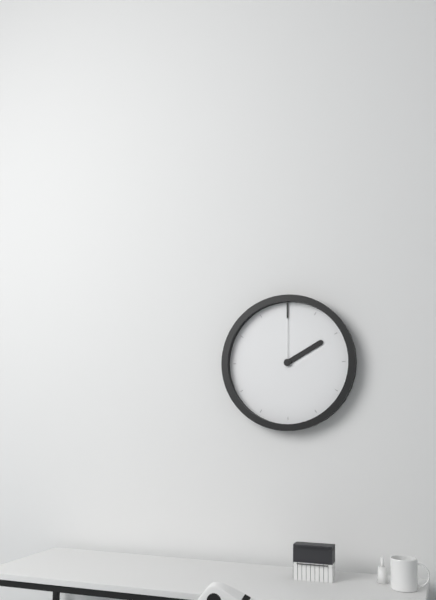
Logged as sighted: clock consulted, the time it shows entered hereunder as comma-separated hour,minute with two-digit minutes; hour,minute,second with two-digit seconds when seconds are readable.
2,00
